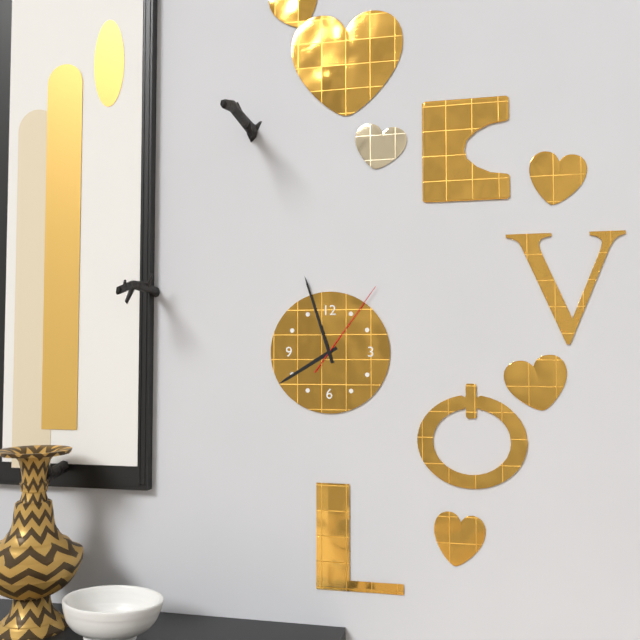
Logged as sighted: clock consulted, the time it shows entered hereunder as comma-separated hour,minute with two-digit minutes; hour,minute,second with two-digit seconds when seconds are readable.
7,57,06
